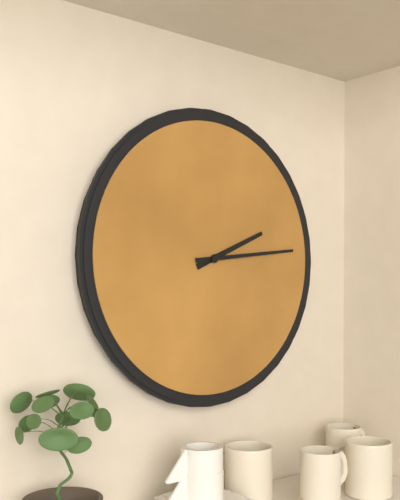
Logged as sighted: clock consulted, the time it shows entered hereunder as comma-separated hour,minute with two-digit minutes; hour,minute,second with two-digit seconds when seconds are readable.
2,14
